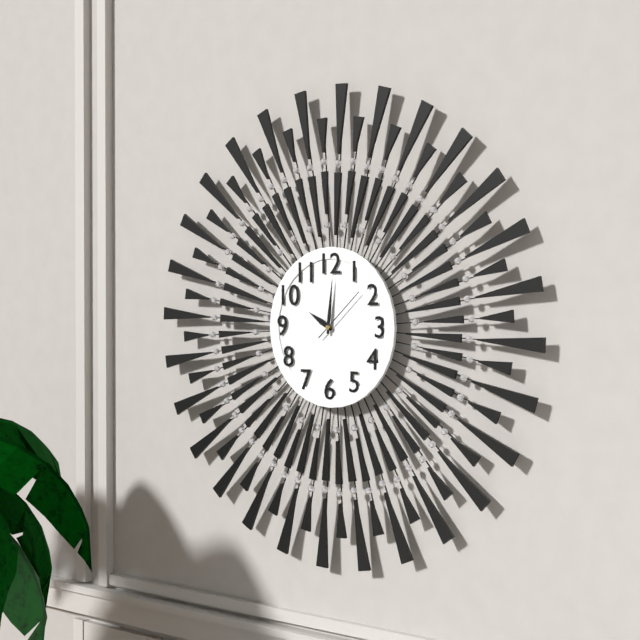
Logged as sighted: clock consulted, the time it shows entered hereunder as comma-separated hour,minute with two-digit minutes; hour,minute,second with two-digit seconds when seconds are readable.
10,01
